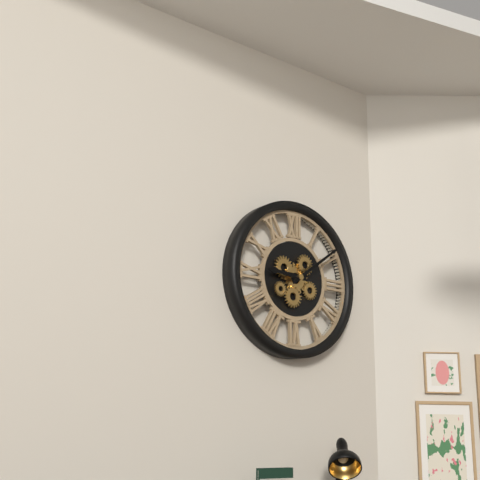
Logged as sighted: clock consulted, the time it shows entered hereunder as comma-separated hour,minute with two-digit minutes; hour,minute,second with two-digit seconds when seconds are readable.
9,09
